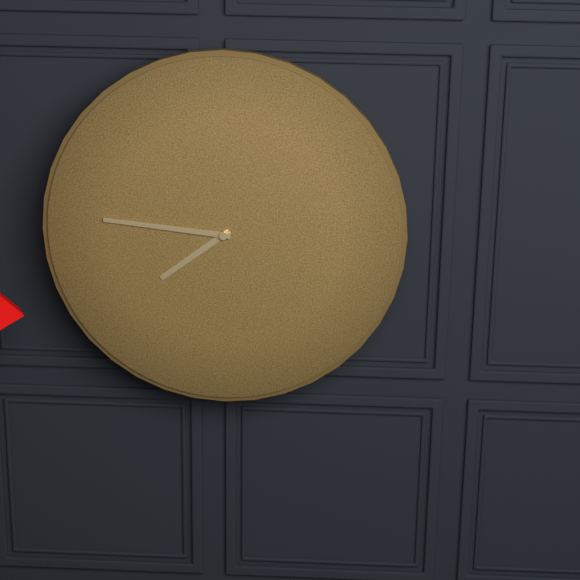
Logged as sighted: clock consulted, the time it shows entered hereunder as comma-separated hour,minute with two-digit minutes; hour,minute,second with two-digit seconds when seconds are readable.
7,46
